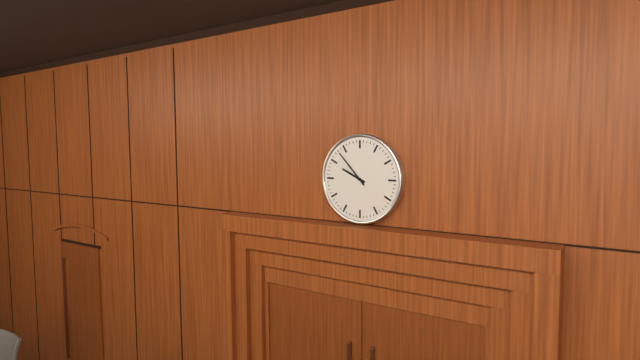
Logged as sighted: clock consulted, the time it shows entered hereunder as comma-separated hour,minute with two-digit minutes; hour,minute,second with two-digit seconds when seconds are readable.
9,53
